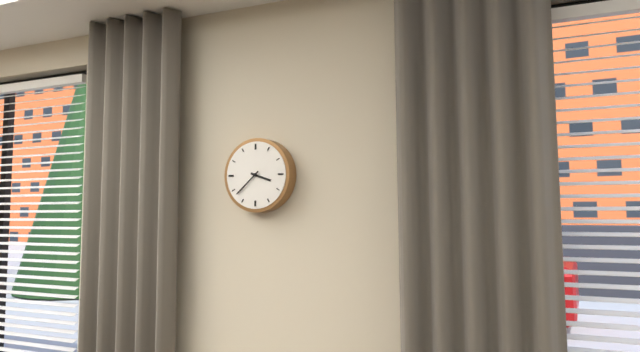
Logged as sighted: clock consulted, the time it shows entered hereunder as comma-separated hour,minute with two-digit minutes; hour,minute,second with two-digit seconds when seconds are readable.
3,38
